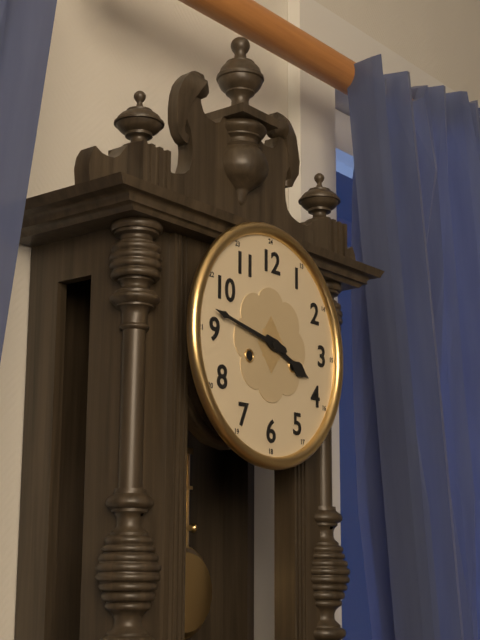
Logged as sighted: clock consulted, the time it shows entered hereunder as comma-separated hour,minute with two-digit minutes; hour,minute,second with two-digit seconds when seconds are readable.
3,47
